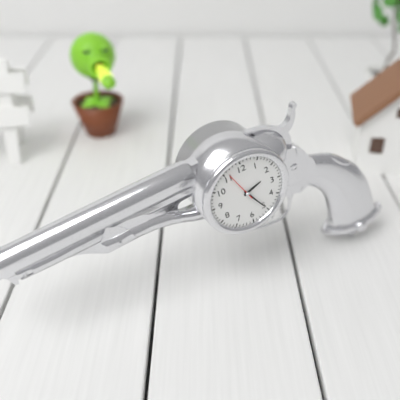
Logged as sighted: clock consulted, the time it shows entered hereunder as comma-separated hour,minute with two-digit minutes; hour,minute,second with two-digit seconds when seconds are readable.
2,25
